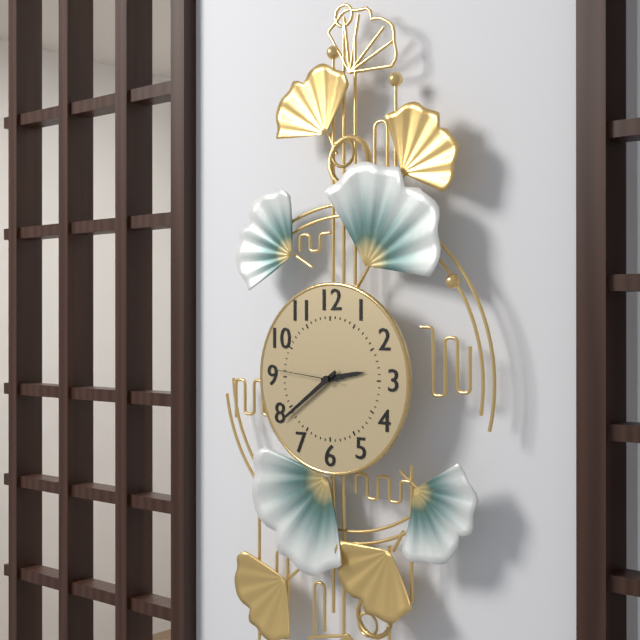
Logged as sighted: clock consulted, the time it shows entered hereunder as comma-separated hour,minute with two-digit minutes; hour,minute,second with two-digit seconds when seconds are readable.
2,39,46
